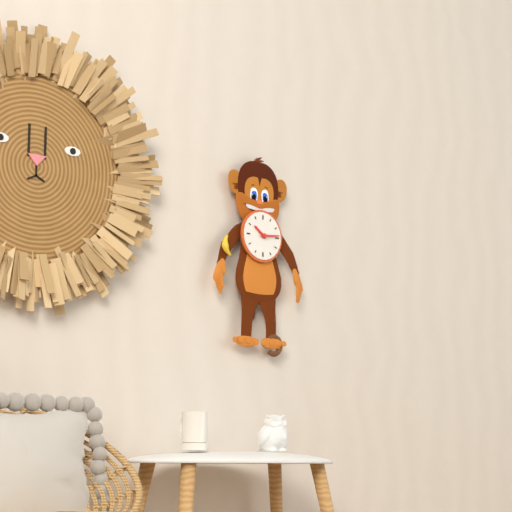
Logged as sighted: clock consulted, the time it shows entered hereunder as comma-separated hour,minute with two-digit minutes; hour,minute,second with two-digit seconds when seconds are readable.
10,14
